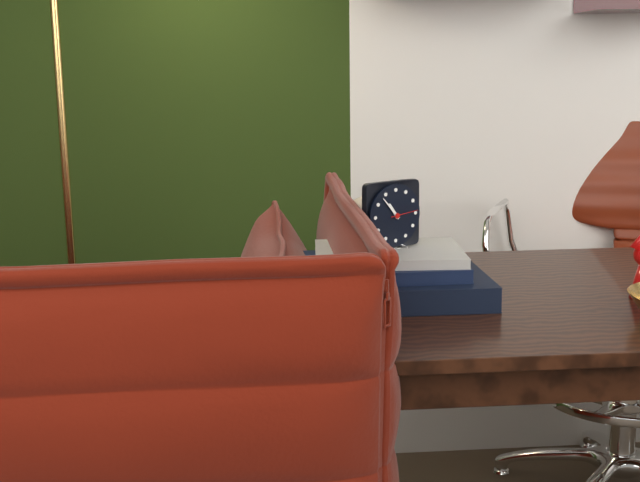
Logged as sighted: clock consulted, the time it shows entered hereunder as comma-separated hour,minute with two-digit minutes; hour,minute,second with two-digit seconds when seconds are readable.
10,53
